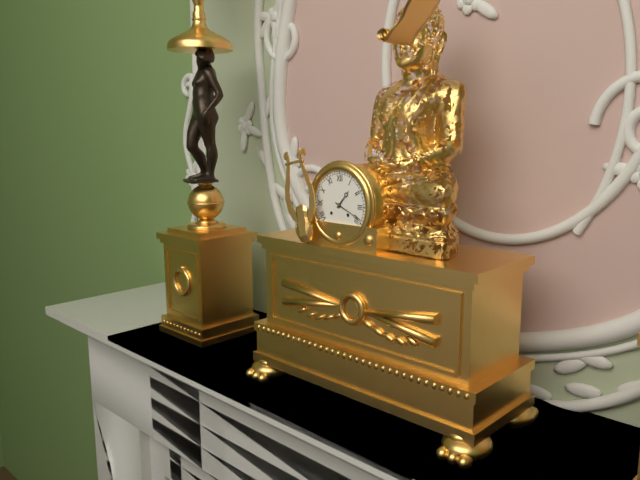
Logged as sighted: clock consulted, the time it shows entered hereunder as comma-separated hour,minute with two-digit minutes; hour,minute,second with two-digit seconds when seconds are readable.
1,19
